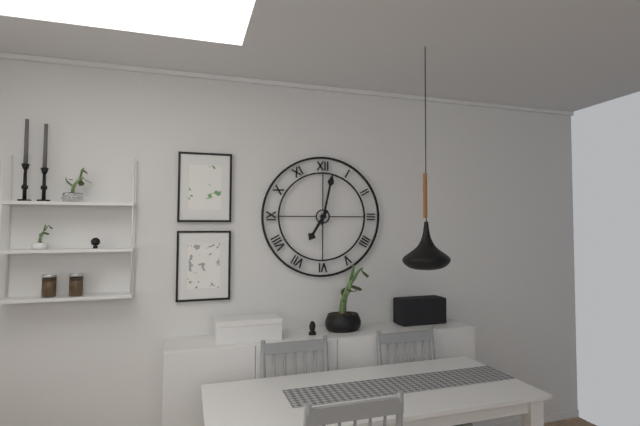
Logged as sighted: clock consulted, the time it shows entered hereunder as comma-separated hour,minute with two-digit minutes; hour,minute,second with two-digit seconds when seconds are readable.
7,02
